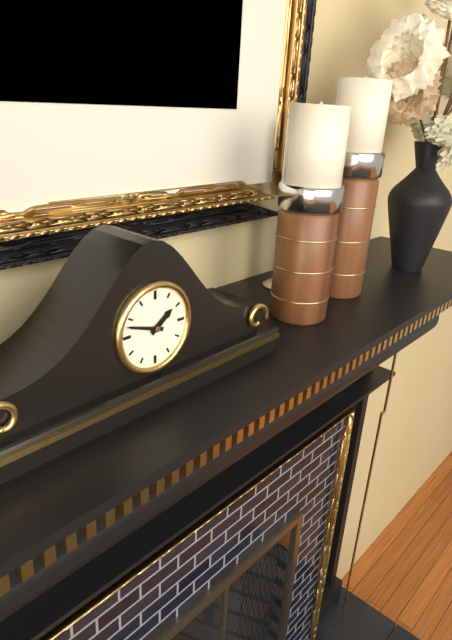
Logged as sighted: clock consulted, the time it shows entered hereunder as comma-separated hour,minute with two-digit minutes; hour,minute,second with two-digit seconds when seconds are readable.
1,48
